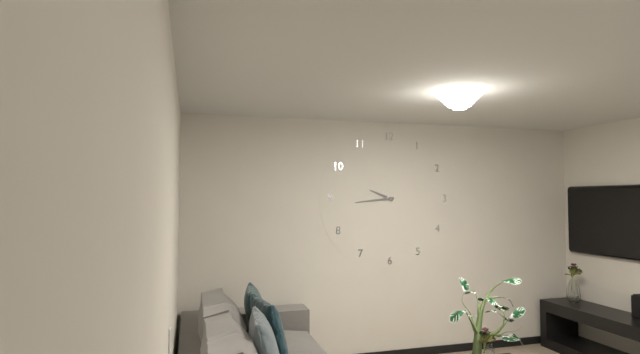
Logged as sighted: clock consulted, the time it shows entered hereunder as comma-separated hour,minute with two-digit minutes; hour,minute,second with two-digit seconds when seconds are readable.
9,44
